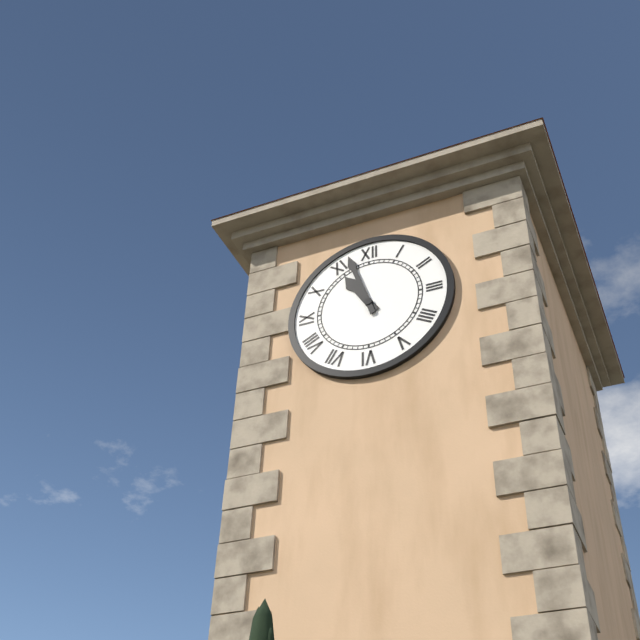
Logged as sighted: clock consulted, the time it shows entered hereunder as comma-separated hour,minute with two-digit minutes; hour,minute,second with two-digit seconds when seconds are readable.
10,57
